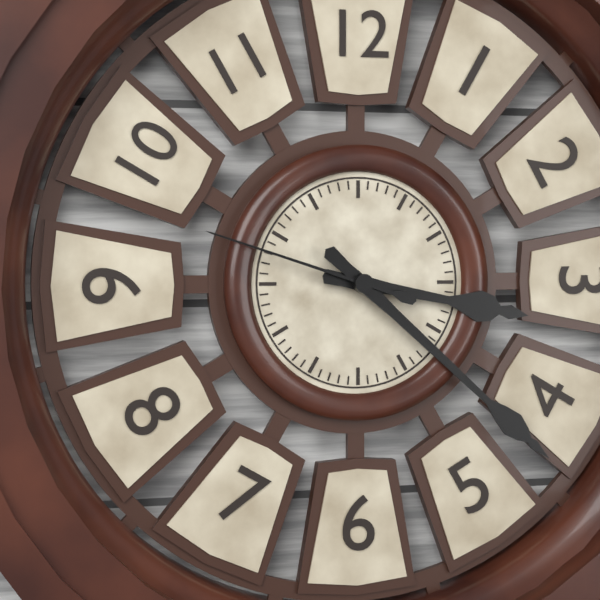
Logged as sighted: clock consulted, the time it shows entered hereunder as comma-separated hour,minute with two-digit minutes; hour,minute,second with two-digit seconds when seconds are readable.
3,22,48
